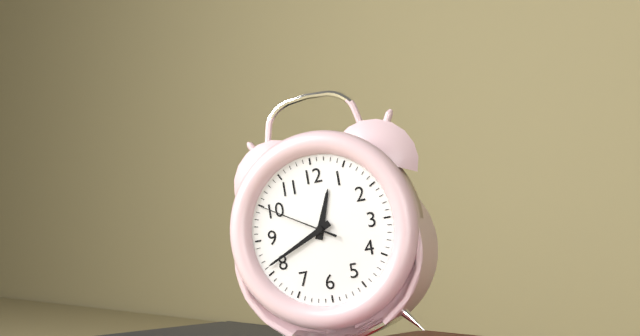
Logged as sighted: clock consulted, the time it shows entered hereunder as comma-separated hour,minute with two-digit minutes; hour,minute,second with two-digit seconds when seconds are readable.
12,41,50
